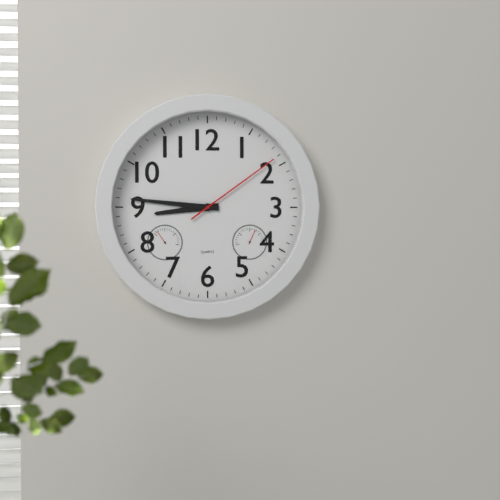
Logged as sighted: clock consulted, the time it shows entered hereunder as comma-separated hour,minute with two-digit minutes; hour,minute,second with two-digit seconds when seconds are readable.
8,46,09
